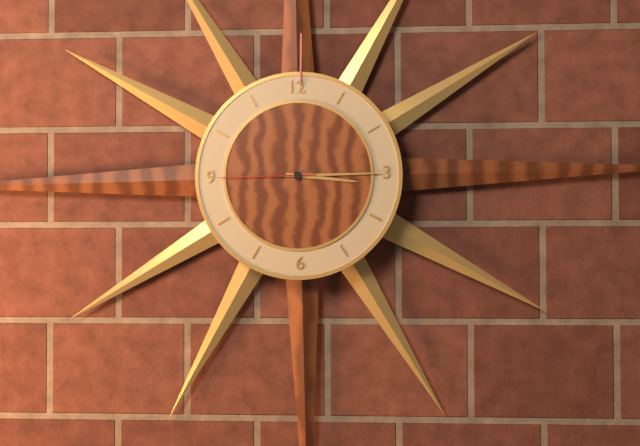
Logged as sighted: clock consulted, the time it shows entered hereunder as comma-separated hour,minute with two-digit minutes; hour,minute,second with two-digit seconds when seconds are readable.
3,15,45
